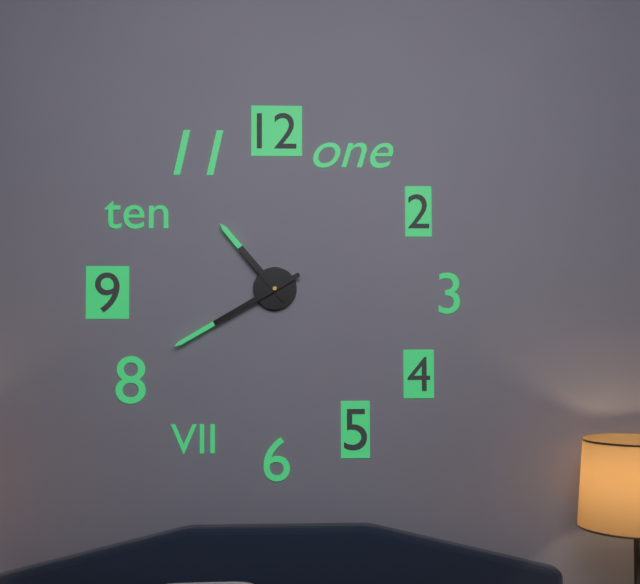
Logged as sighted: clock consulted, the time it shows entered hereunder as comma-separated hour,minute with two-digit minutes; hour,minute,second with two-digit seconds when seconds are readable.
10,40
